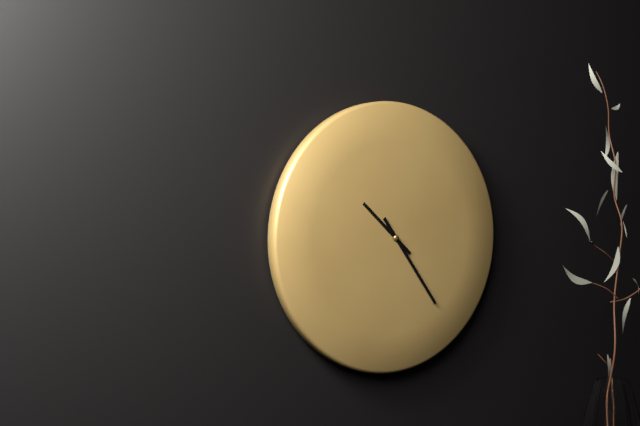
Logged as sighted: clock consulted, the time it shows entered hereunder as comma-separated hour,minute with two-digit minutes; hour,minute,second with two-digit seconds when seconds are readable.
10,24
